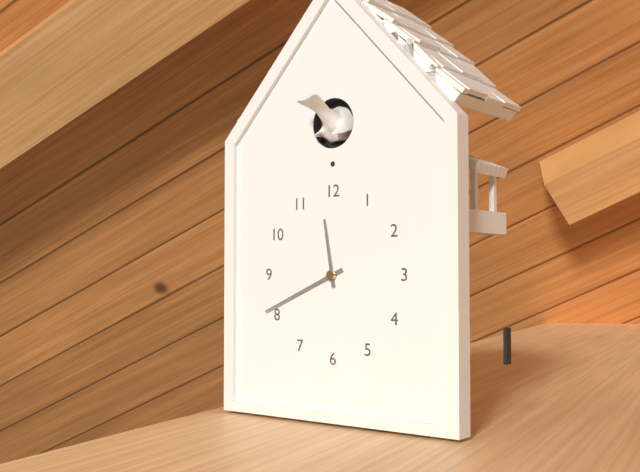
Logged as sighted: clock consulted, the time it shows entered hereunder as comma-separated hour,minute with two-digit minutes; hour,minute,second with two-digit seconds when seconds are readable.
11,41
